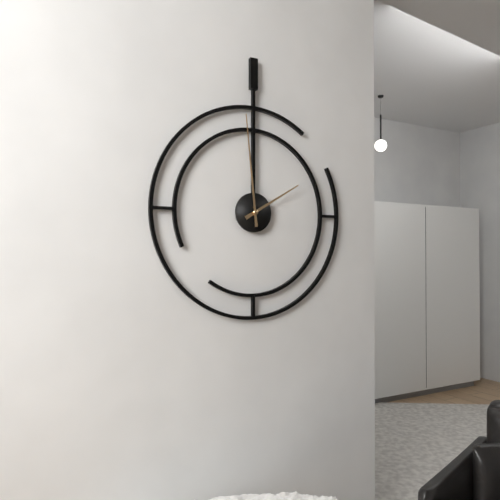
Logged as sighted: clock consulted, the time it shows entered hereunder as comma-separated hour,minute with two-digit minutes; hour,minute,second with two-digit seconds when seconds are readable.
1,59
